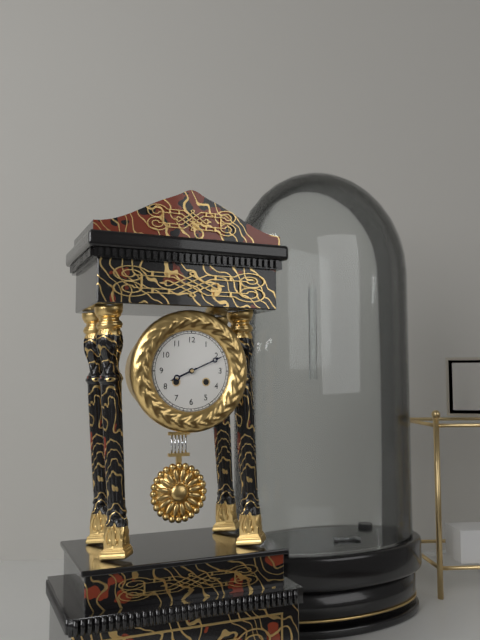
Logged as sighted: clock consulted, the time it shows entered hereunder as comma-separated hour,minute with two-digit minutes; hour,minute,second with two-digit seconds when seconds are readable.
8,11
